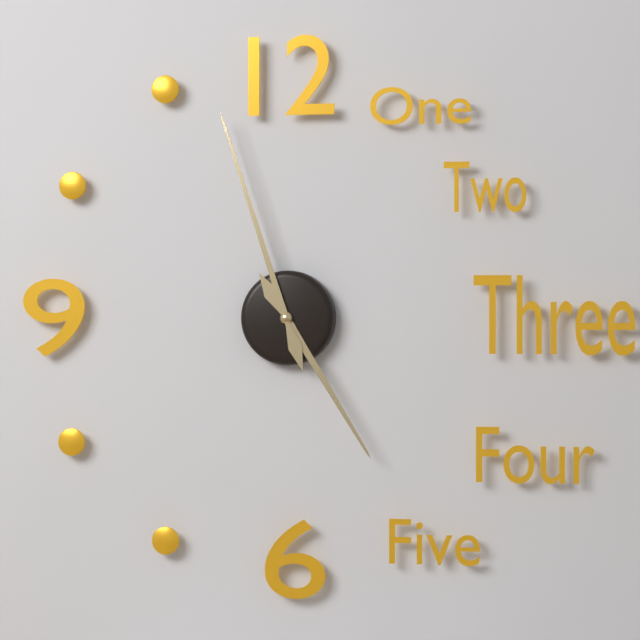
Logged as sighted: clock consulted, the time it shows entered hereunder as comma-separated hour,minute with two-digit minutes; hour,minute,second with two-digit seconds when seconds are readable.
4,57
